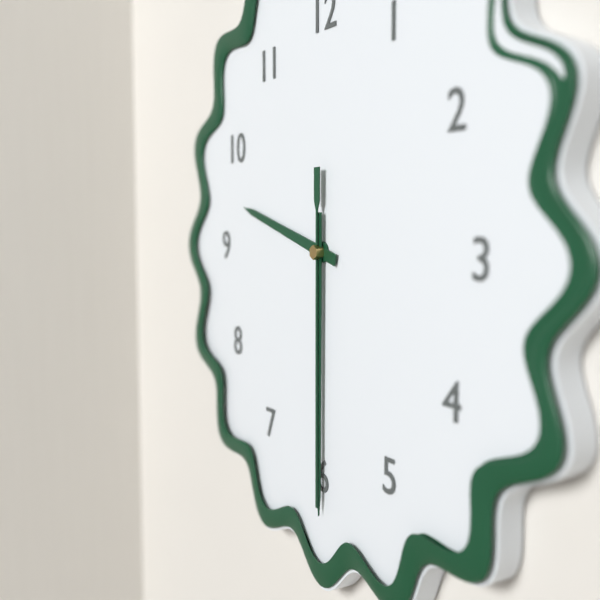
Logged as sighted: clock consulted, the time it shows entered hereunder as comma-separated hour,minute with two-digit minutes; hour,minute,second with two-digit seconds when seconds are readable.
9,30,30
